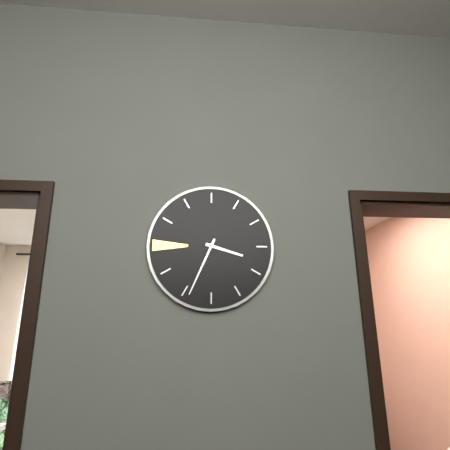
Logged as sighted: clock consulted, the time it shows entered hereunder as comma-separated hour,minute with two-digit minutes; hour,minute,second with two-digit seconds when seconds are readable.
3,34
